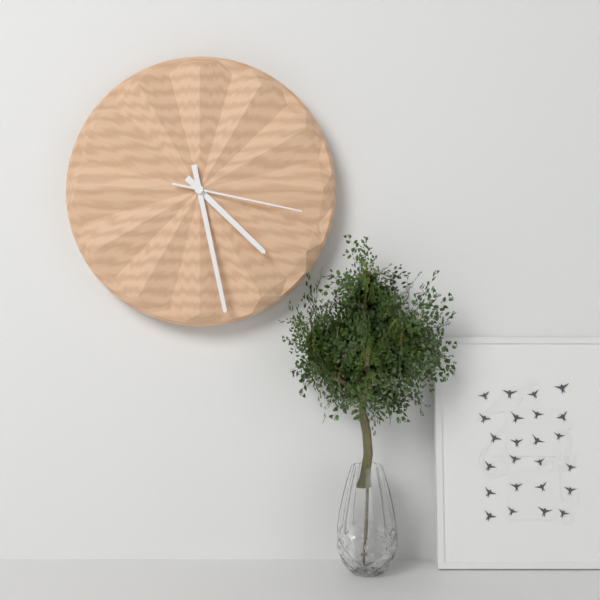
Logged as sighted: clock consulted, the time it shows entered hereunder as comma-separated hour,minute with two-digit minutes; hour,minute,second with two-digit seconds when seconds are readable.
4,28,17
